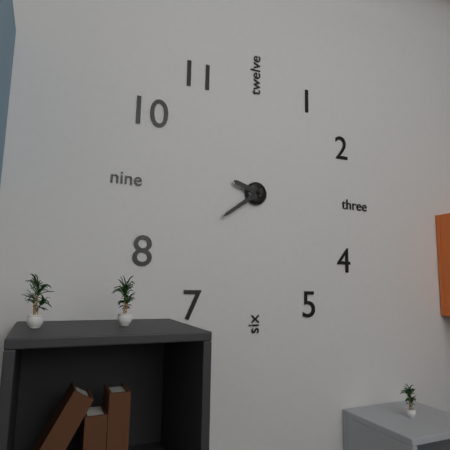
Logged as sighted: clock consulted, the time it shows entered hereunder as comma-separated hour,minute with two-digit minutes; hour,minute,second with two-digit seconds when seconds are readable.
9,39
